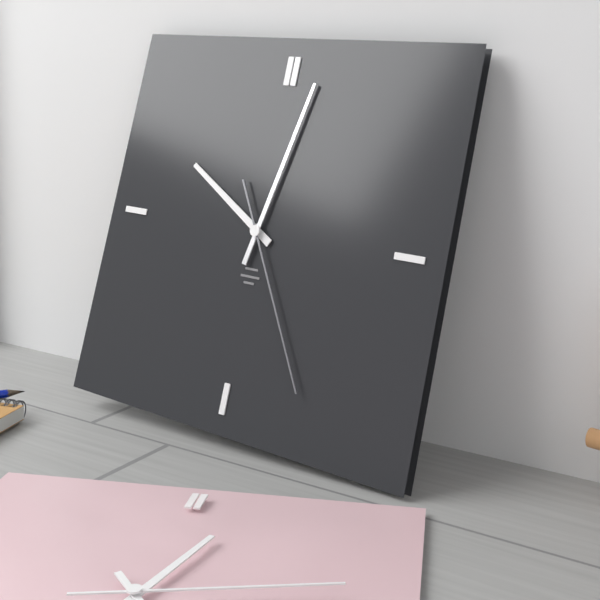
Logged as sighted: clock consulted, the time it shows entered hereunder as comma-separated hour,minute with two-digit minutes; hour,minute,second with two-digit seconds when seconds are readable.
10,02,25
